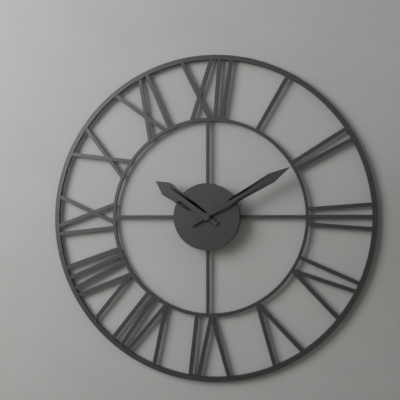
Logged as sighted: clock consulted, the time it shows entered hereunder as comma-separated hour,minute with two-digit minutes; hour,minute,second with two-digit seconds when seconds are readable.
10,10
